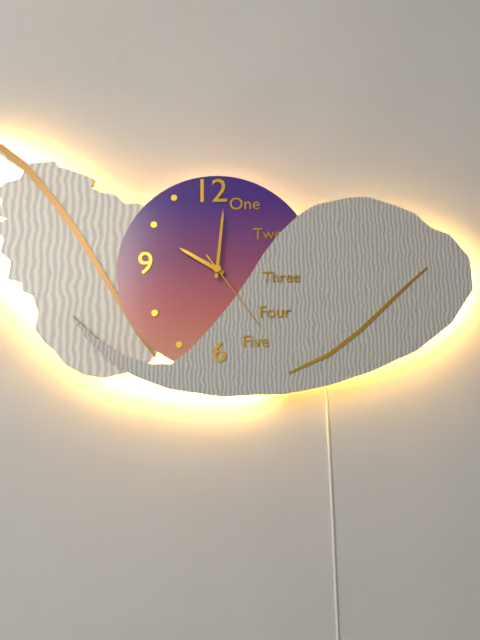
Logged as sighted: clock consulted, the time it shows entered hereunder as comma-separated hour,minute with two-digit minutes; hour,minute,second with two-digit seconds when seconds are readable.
10,01,24
